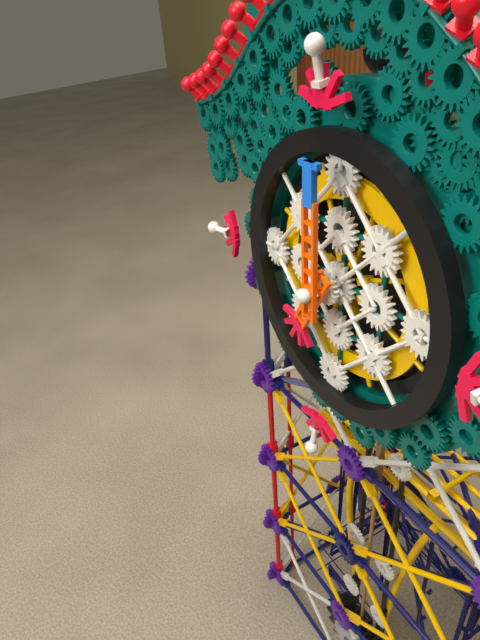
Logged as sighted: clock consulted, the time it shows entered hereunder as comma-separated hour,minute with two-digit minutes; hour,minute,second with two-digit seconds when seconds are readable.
7,00
